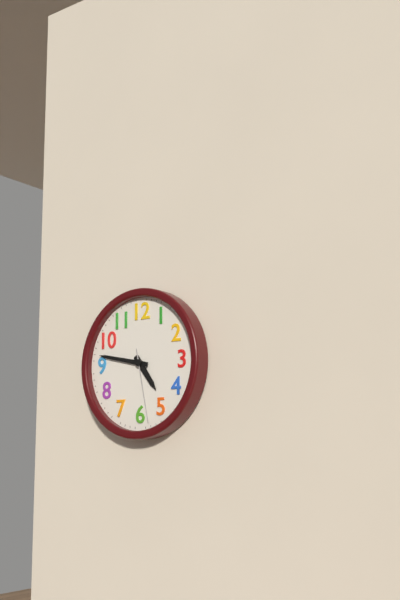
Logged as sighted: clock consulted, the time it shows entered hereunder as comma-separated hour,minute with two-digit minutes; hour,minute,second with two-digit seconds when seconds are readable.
4,47,28
